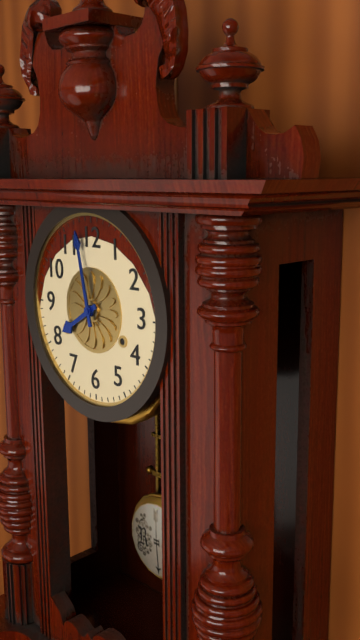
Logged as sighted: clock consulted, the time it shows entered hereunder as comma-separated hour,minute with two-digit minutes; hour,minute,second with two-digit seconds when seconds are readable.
7,58
